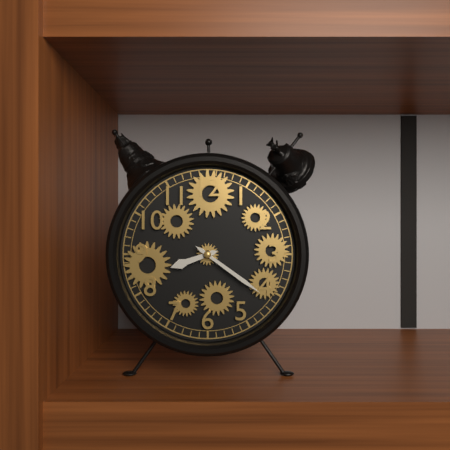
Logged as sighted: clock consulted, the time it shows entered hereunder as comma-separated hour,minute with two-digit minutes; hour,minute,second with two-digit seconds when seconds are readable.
8,21
